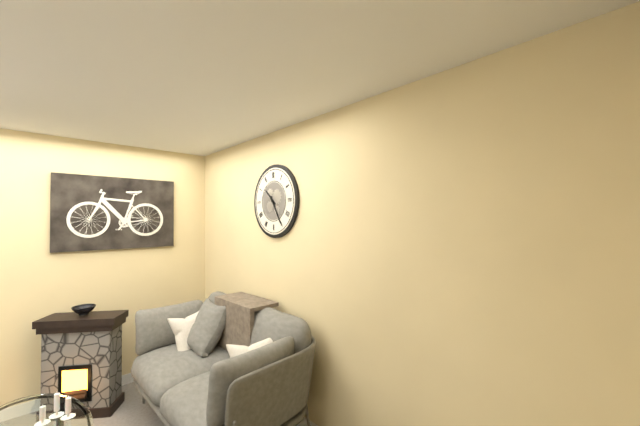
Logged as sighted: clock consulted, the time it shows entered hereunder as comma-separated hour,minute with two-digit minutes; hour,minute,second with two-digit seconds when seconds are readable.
10,25
